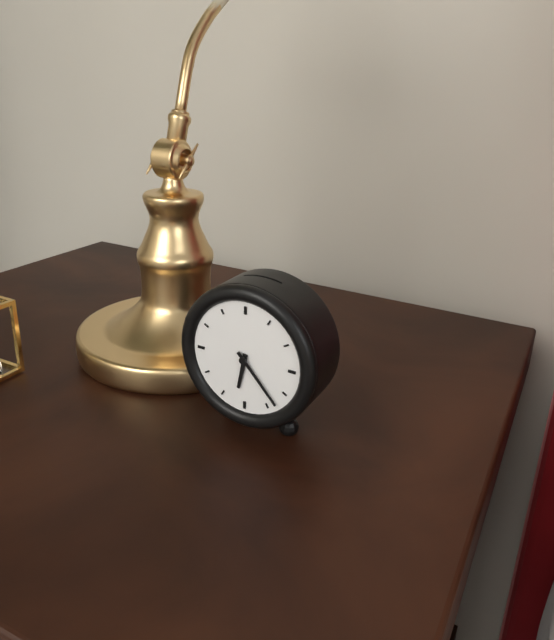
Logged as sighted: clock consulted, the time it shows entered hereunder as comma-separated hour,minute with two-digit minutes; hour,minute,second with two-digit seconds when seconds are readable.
6,23
